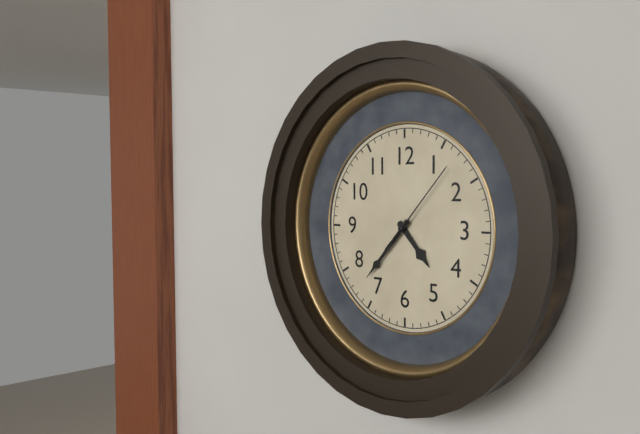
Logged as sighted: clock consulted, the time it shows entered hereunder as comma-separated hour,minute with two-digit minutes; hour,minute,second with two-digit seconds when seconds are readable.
4,37,07
